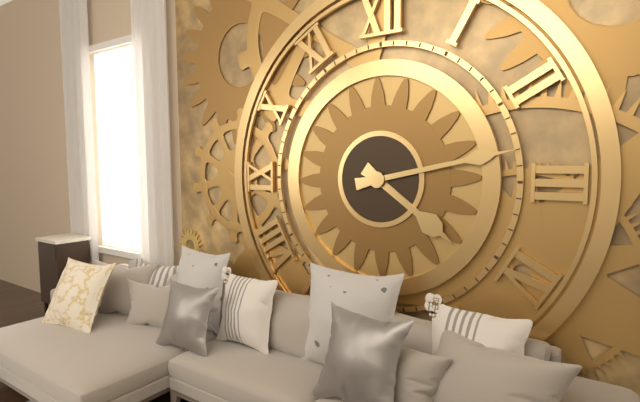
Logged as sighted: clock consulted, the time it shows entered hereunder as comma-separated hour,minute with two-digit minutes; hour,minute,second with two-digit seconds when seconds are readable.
4,13
